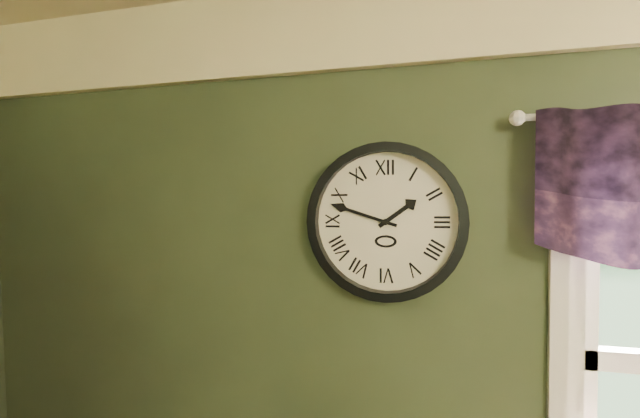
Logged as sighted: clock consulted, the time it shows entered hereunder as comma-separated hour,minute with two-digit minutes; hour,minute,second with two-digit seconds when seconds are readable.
1,48
